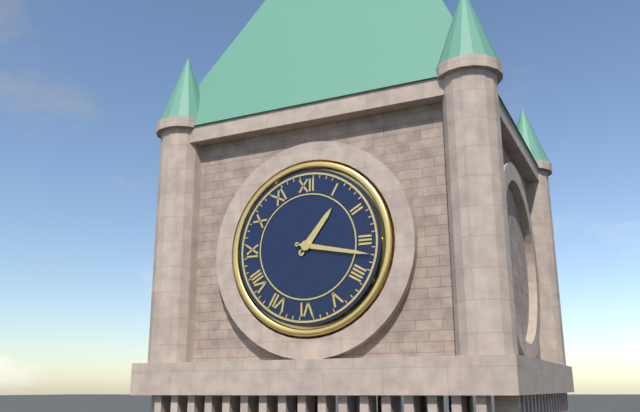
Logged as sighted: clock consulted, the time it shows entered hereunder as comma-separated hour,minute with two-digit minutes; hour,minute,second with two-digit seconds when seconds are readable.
1,17
